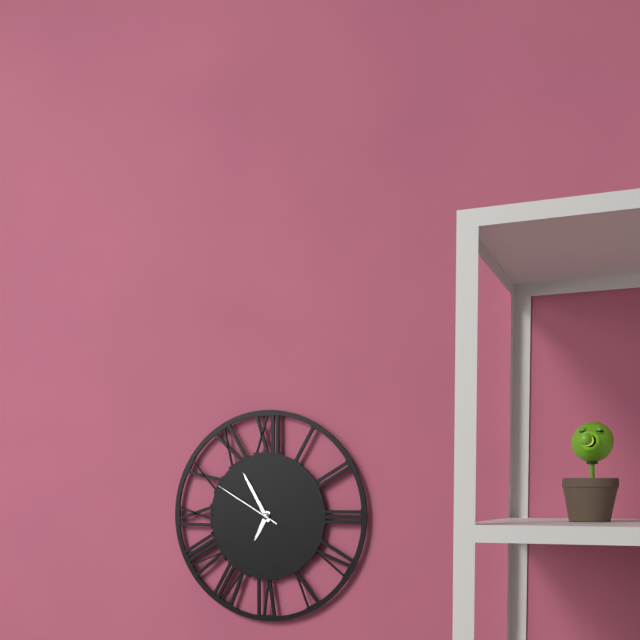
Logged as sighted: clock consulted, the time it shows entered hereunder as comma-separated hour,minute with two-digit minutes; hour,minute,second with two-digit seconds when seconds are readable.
6,55,50
